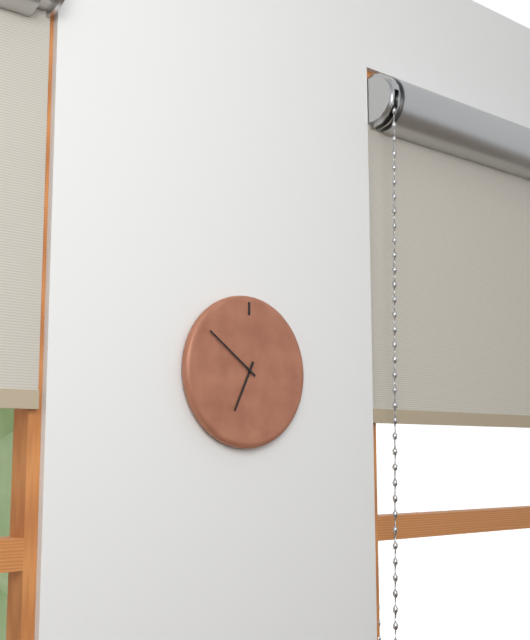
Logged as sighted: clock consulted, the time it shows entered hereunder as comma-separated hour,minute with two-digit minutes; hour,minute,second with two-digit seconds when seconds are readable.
6,51
